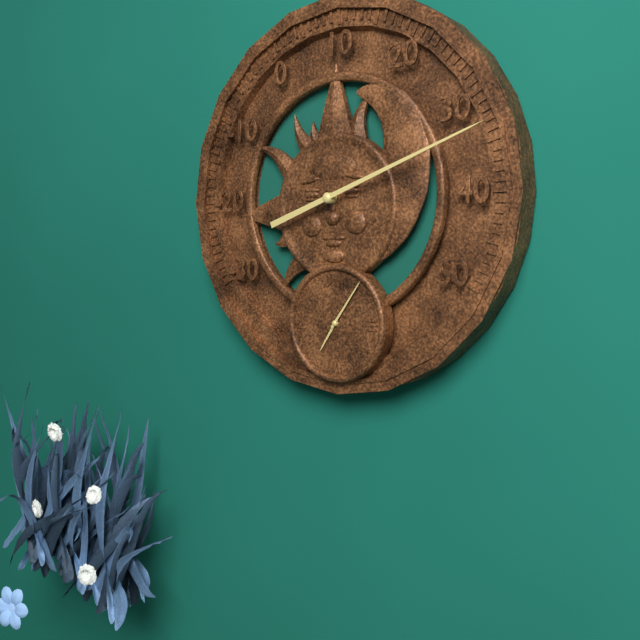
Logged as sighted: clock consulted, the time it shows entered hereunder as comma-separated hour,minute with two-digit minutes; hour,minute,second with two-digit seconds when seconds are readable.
7,06
